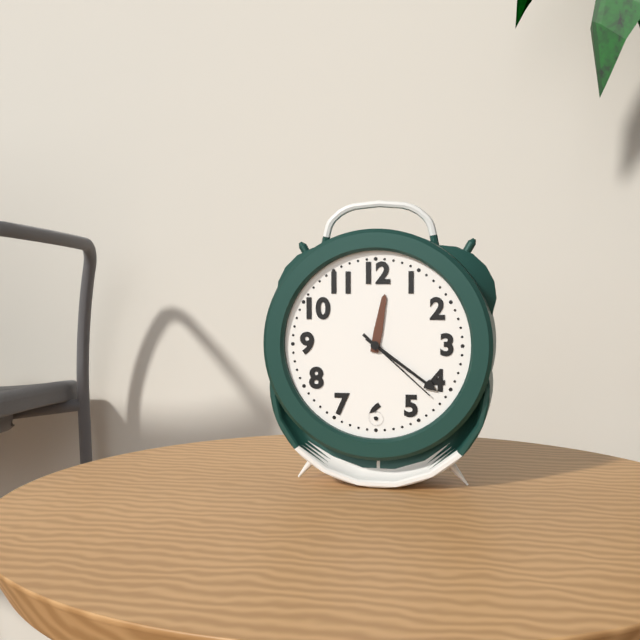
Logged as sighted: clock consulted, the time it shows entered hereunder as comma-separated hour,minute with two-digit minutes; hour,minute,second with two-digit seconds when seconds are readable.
12,21,22
